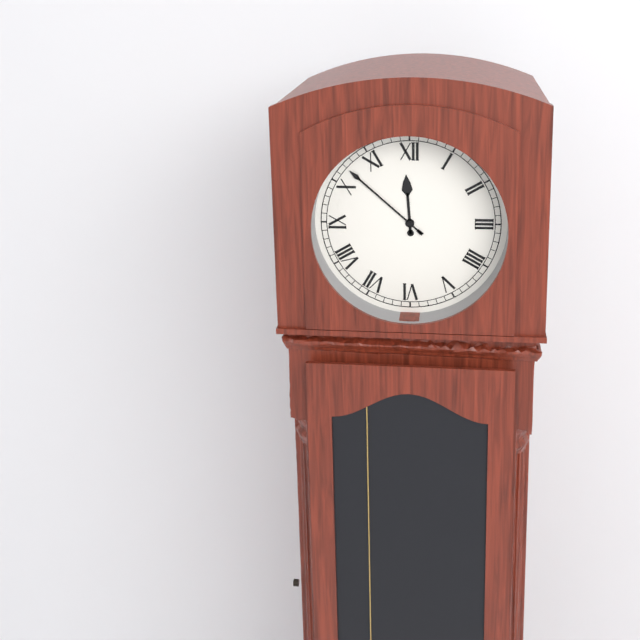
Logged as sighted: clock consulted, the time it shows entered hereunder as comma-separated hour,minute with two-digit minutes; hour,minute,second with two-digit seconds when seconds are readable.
11,52
